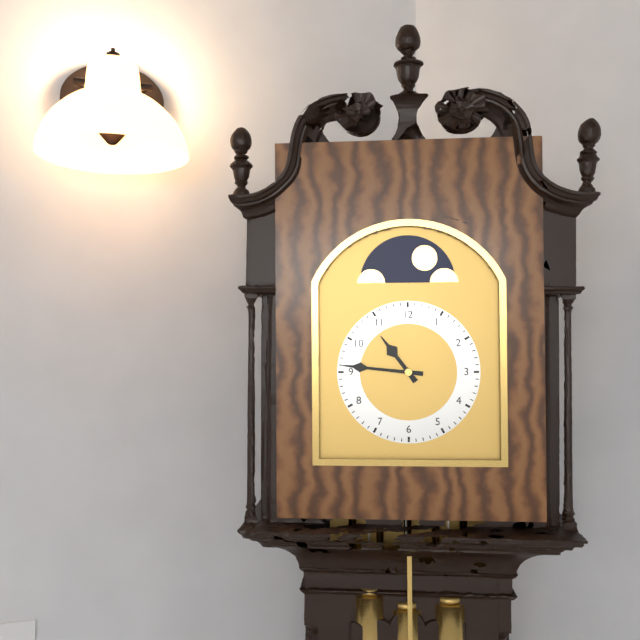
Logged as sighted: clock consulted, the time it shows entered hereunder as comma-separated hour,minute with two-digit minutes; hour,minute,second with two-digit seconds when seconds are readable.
10,46
